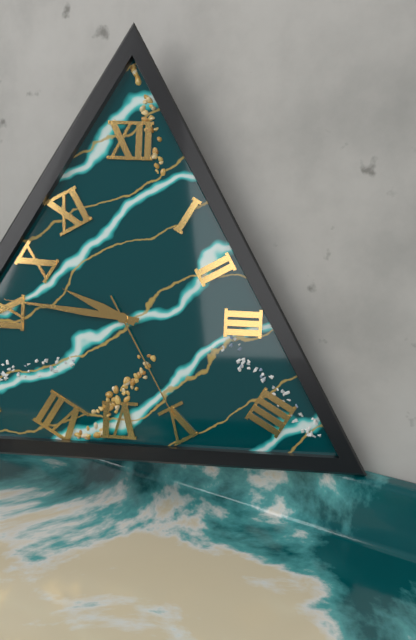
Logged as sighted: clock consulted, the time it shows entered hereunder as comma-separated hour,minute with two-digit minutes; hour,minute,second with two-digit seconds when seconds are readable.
9,46,25
